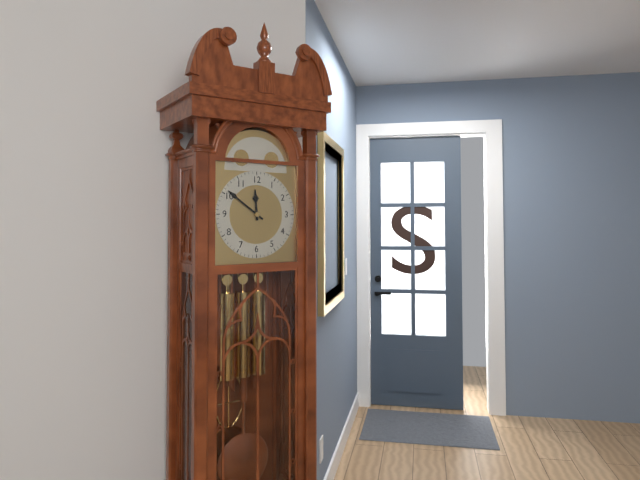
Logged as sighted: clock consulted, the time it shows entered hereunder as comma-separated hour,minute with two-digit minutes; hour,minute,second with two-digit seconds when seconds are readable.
11,51
